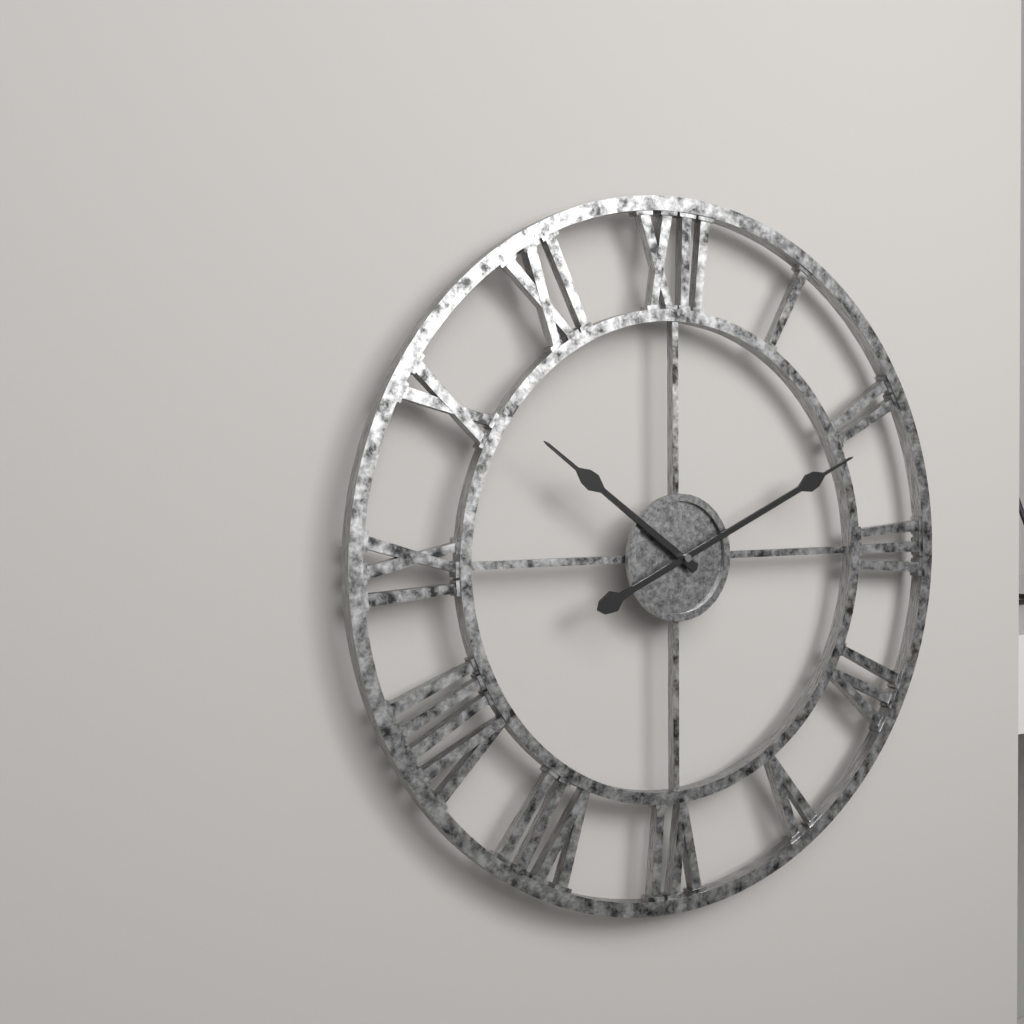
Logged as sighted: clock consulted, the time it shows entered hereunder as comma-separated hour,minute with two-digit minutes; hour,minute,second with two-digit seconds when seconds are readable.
10,11
